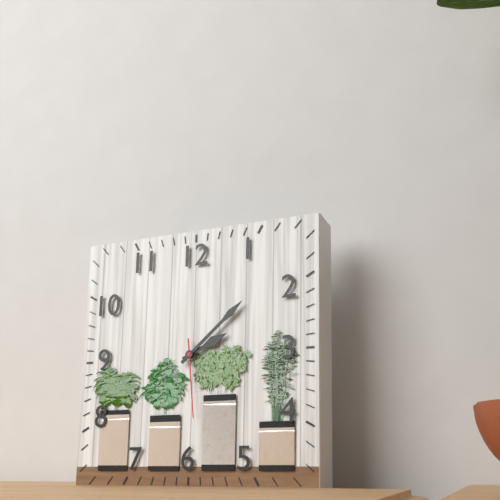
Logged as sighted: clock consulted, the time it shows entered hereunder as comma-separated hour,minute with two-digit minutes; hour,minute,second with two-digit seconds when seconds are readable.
2,08,29
